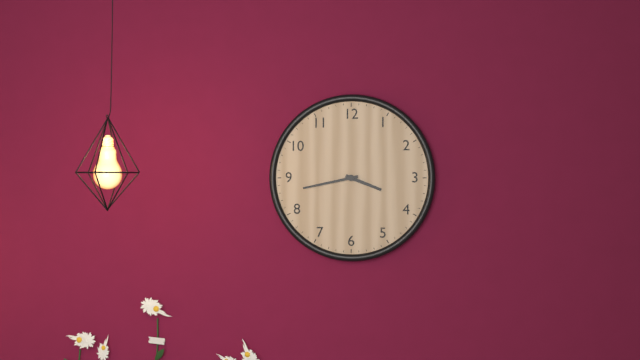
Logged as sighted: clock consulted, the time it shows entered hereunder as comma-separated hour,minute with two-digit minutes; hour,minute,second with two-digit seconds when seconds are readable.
3,43
